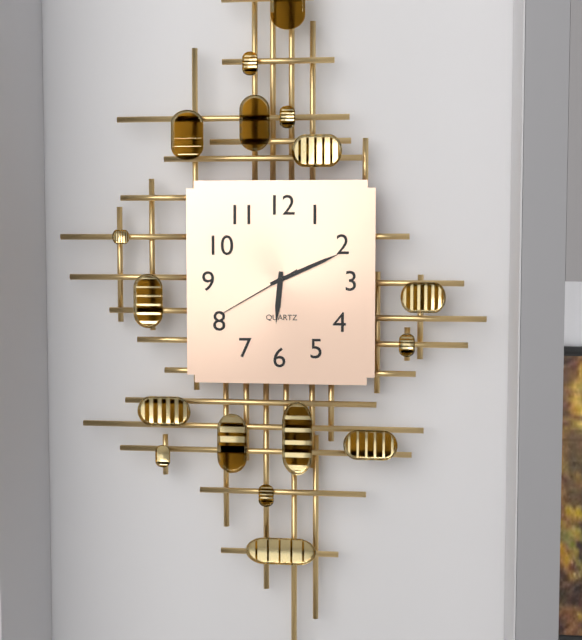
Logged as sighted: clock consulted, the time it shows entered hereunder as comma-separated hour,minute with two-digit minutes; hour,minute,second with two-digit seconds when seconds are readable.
6,11,40
